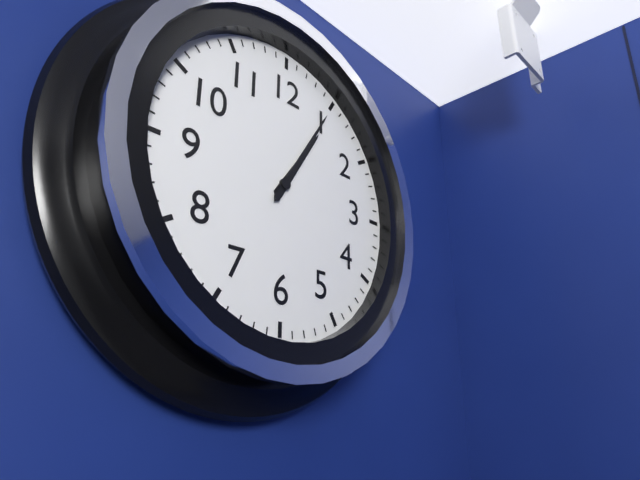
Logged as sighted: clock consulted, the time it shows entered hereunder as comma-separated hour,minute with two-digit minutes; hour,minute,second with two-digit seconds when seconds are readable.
1,05
